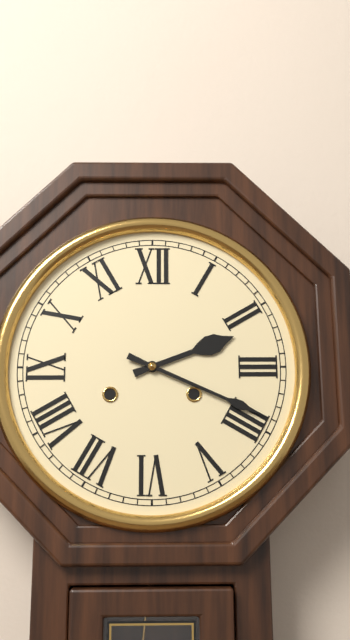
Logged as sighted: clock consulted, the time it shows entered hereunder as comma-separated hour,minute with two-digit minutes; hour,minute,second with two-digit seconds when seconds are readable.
2,19
